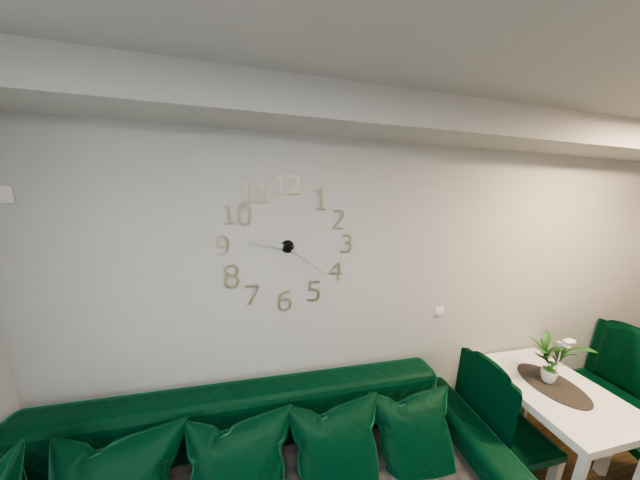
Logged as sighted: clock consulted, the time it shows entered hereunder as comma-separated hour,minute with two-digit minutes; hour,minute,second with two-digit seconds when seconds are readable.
9,21
